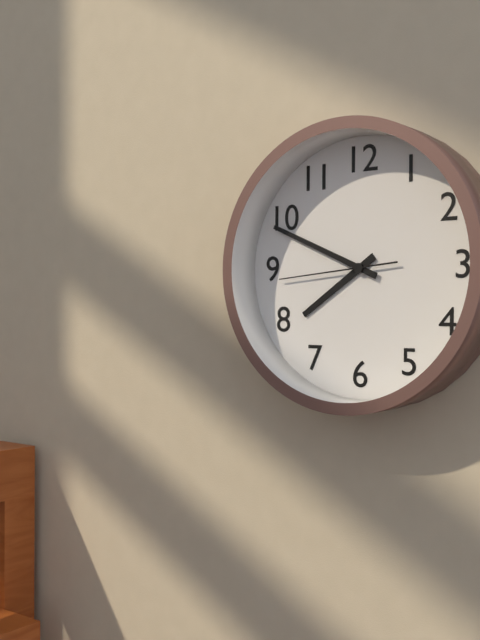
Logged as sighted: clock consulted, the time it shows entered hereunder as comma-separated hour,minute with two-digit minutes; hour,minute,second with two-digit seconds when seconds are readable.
7,49,44
